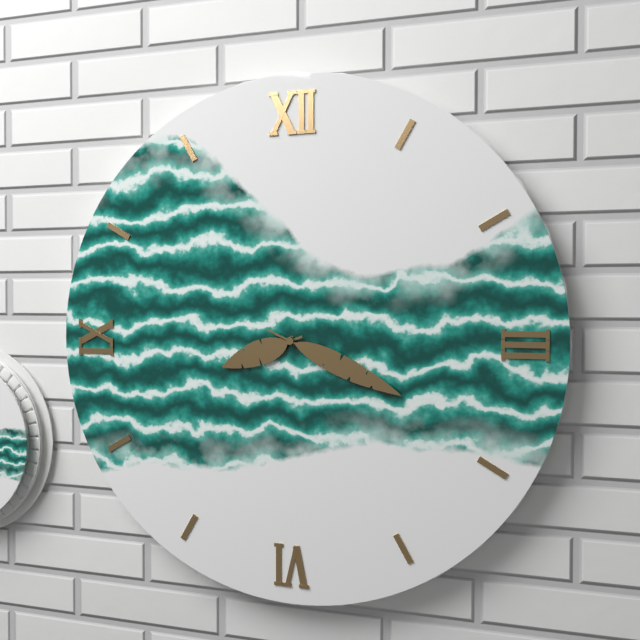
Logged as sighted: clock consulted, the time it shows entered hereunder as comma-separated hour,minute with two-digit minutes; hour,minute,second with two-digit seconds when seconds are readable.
8,19
